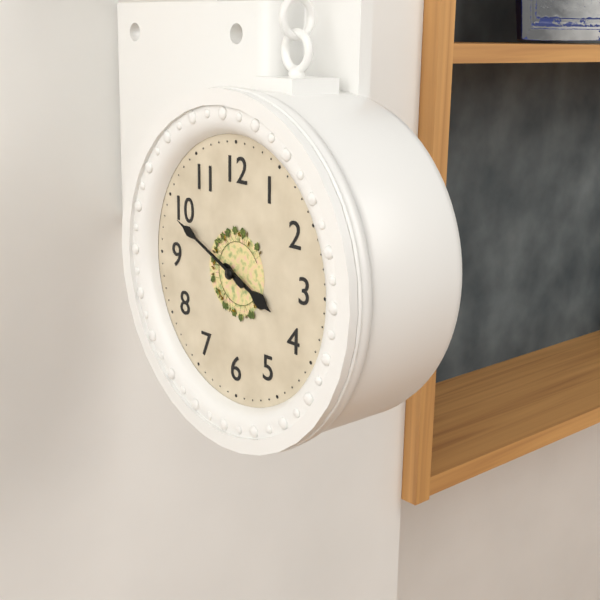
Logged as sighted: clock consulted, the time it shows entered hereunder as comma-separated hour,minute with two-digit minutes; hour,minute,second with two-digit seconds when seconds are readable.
3,49
